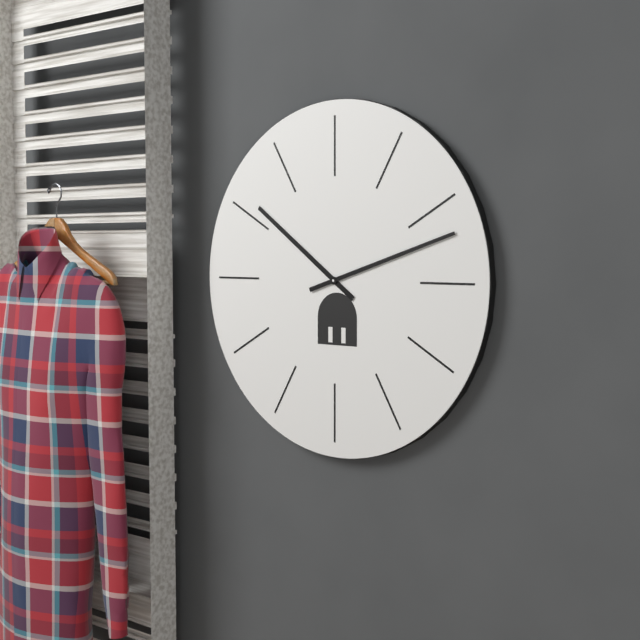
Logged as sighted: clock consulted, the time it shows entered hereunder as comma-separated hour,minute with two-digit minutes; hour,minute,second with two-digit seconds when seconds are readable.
10,12
